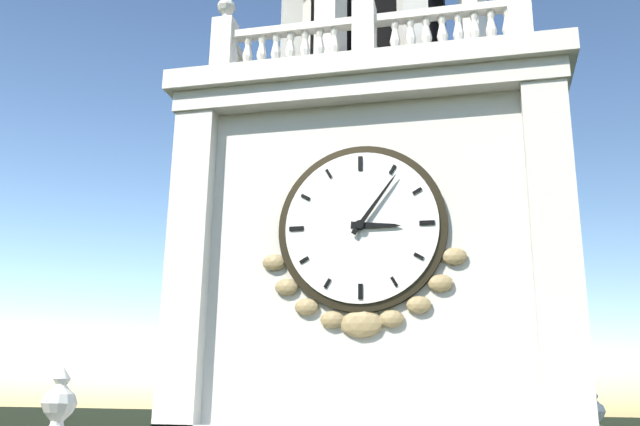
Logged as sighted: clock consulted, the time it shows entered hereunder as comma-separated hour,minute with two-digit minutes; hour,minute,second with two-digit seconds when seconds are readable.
3,06
